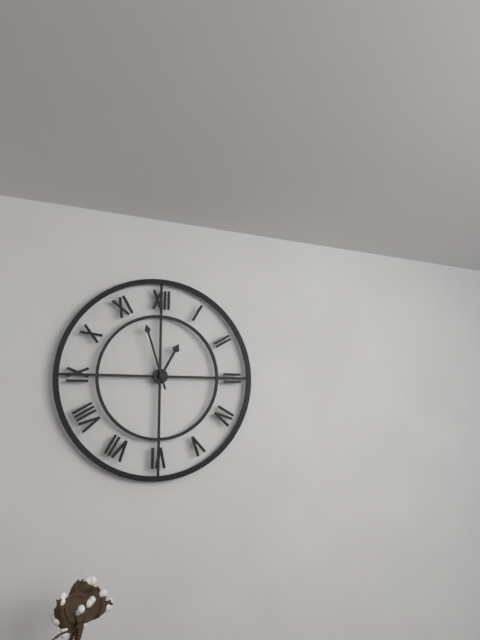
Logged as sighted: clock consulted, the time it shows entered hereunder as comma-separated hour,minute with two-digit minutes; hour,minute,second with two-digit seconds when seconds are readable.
12,57
